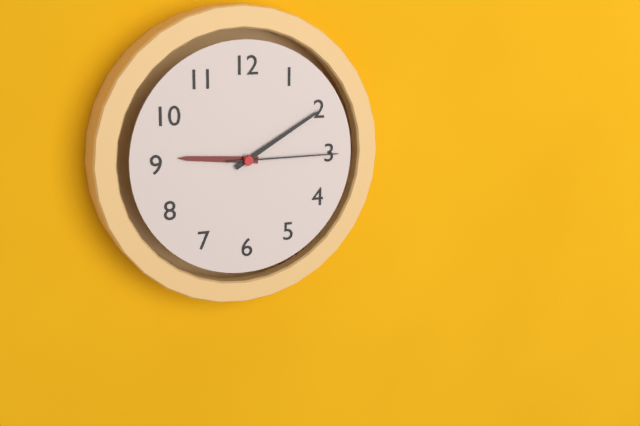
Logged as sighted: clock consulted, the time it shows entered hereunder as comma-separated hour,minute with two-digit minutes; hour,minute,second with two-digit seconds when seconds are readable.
9,10,15
